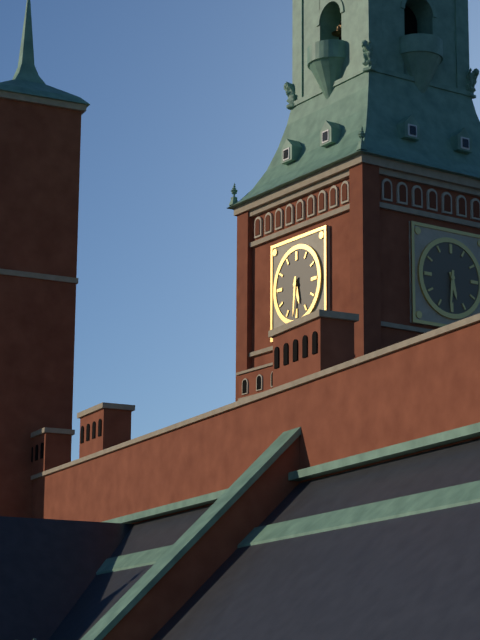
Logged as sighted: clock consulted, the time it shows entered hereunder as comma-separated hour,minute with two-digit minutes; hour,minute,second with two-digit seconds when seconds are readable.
5,31
